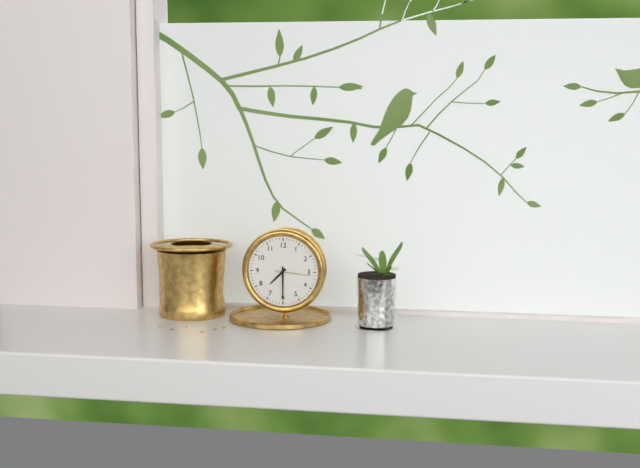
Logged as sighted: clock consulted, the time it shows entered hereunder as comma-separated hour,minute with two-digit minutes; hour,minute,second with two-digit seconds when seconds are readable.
7,30
